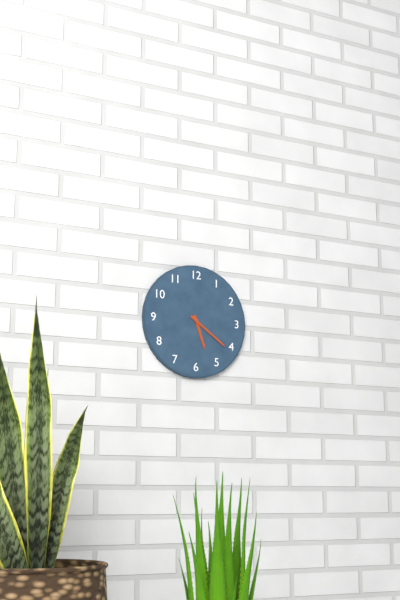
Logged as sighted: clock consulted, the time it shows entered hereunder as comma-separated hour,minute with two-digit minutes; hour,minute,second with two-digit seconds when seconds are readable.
5,21
